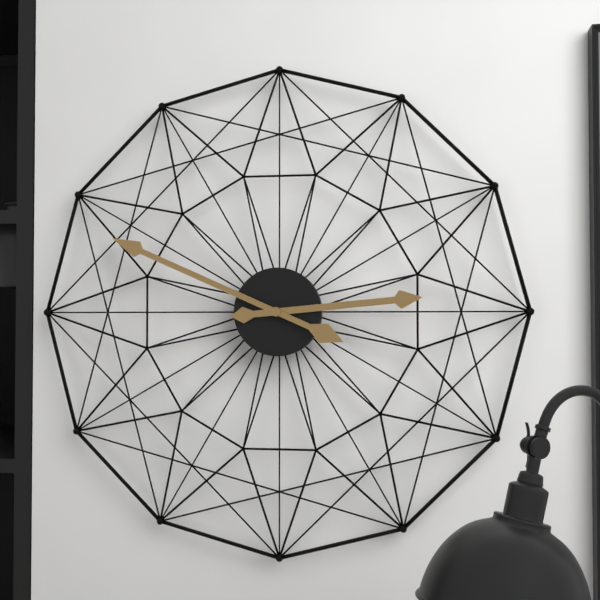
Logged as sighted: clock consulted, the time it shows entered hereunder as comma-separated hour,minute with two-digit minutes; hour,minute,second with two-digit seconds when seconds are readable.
2,49
